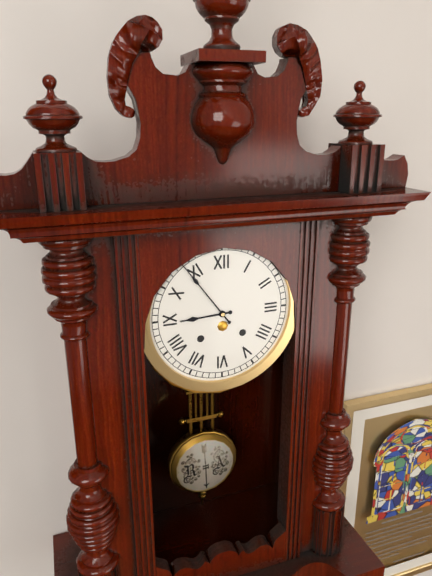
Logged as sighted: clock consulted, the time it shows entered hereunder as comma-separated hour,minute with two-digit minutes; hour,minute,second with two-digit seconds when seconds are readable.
8,54
